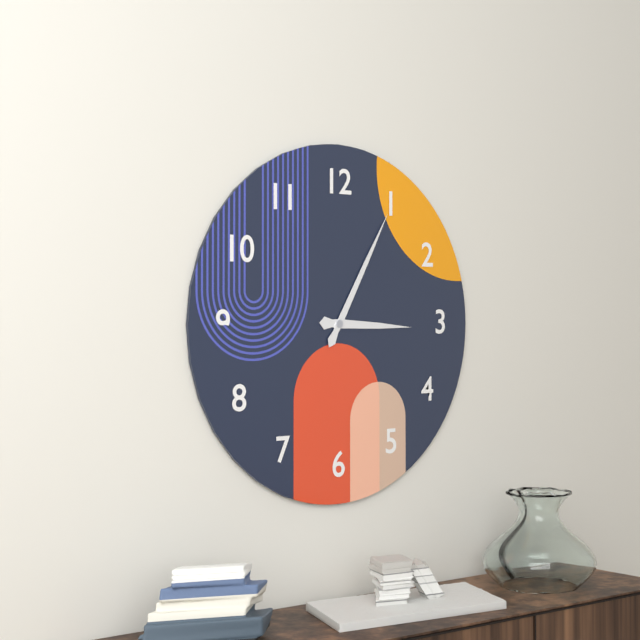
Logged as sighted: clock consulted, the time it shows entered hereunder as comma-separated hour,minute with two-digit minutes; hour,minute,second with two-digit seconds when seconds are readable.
3,05
